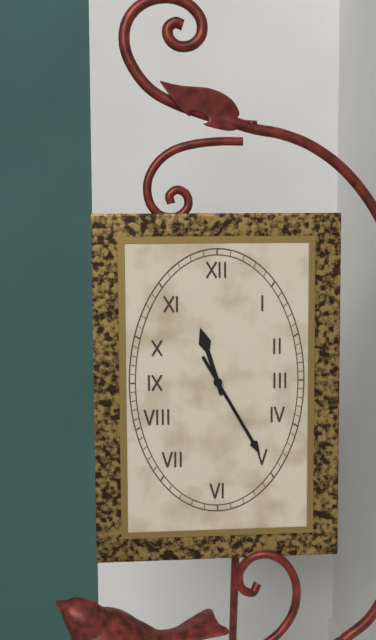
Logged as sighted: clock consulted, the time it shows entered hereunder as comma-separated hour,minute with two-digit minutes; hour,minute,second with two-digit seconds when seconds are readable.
11,25
